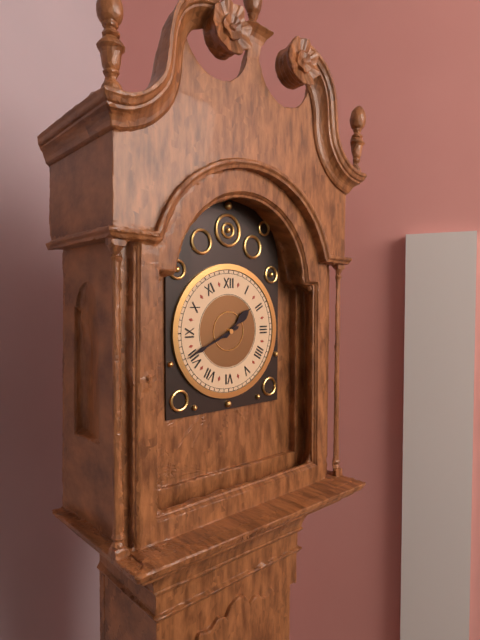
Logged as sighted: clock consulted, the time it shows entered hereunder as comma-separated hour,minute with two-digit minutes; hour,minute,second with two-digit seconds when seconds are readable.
1,41
